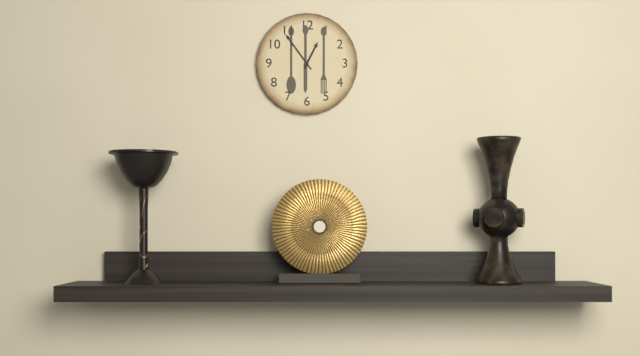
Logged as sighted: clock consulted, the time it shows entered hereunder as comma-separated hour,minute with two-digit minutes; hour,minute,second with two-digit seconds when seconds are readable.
12,54
